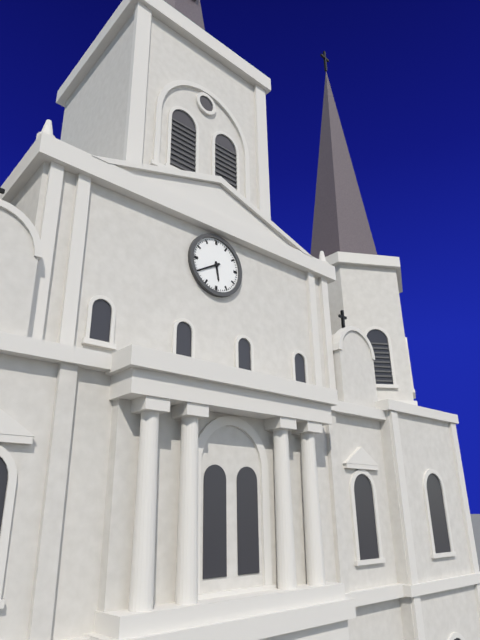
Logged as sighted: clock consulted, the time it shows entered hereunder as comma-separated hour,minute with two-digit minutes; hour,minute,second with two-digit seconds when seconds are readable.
5,40
